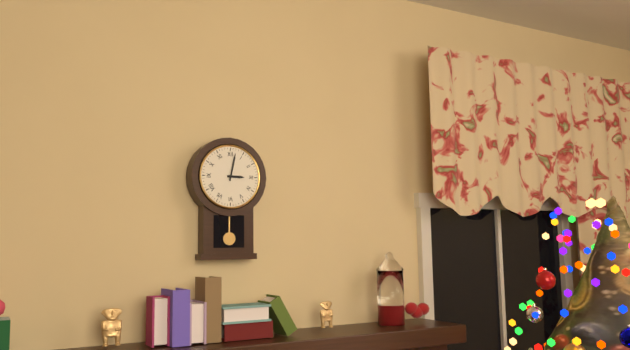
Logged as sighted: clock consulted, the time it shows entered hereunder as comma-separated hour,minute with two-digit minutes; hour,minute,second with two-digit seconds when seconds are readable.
3,02
